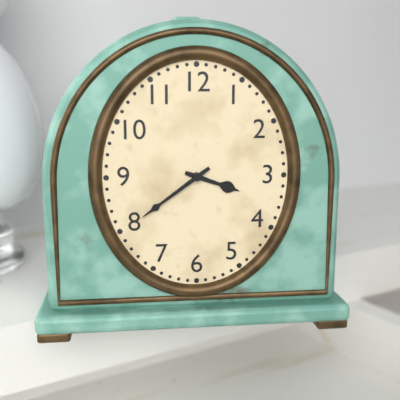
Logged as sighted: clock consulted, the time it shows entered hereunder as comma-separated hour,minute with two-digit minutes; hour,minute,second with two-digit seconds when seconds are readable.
3,39
